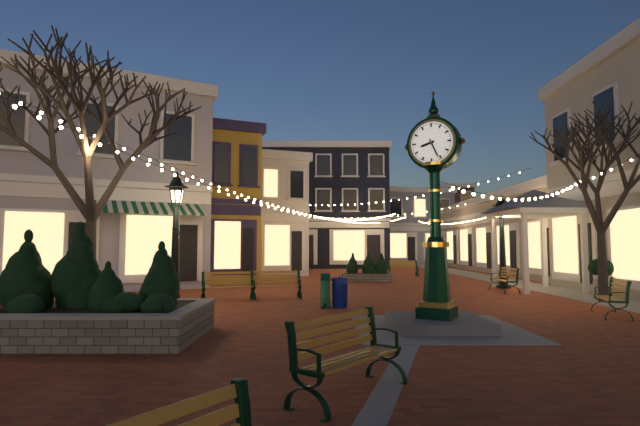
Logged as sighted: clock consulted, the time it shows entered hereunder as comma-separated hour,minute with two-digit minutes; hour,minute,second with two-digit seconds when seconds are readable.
8,26
